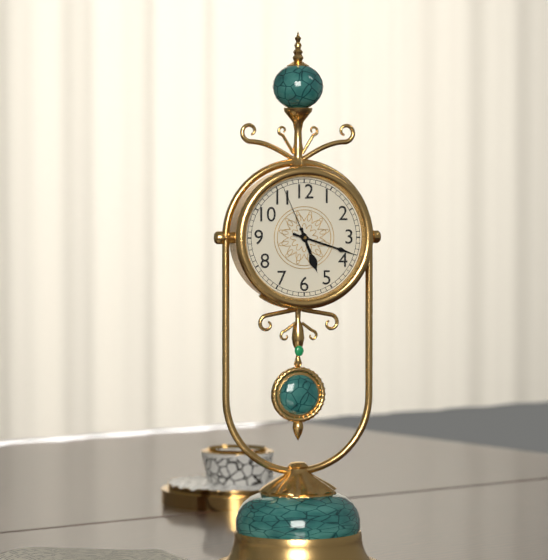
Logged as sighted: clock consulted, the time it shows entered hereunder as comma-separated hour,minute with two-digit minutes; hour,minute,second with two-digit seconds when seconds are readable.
5,18,56
